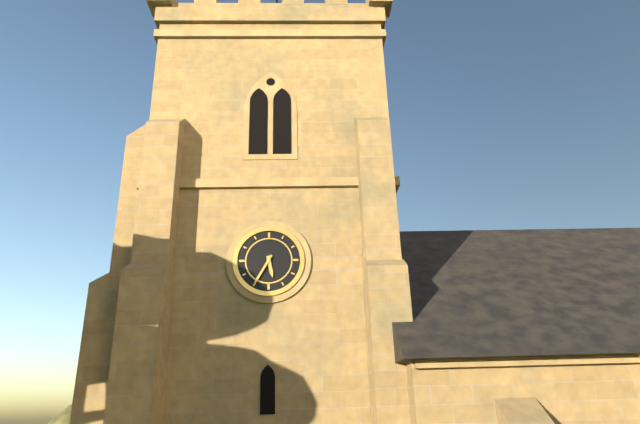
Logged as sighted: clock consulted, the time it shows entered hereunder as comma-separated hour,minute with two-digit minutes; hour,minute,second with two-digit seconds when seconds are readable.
5,35
